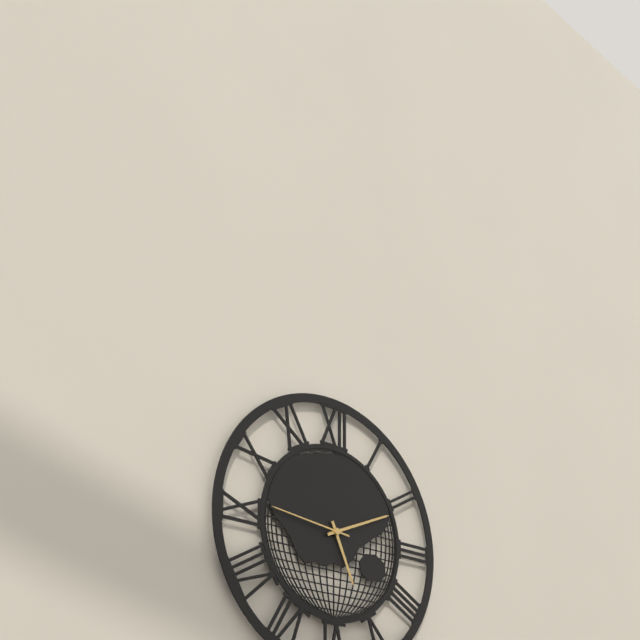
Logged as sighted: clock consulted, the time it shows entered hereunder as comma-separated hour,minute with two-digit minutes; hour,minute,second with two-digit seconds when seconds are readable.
5,11,46
